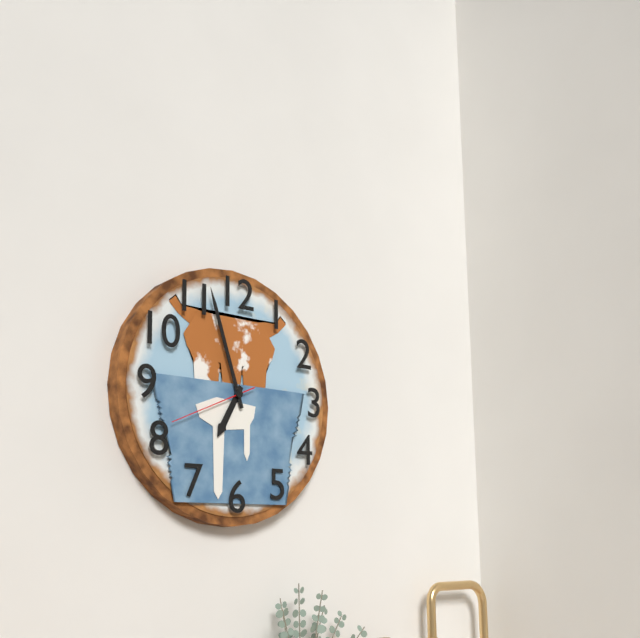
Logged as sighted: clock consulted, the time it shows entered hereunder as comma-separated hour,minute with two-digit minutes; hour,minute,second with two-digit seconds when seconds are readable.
6,57,41
